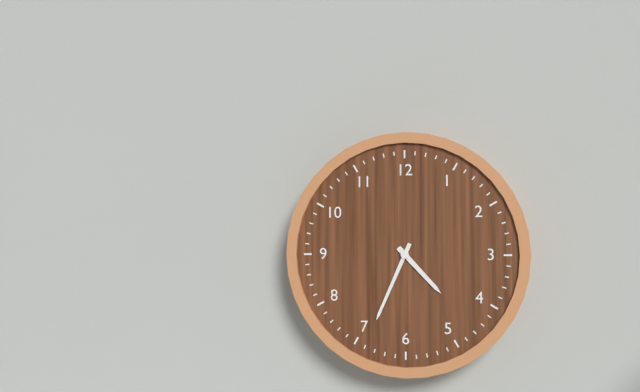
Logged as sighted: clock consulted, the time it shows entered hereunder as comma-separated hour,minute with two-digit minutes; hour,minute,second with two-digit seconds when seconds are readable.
4,34
